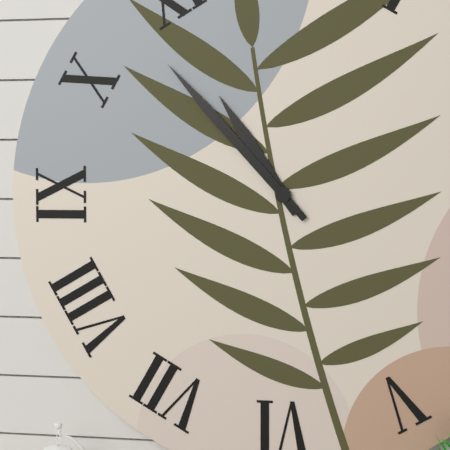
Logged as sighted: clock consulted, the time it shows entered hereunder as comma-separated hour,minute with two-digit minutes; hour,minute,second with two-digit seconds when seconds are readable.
10,53
